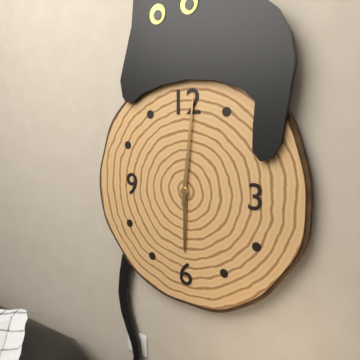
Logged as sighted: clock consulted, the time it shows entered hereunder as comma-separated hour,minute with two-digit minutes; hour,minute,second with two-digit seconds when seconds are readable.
6,01
